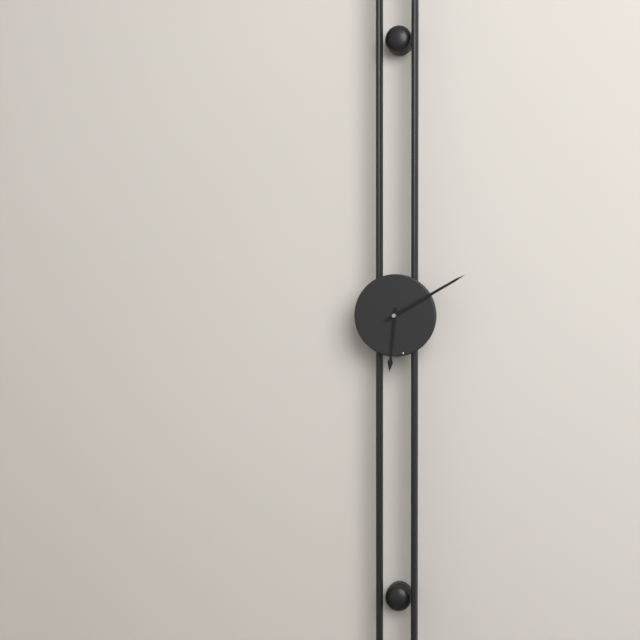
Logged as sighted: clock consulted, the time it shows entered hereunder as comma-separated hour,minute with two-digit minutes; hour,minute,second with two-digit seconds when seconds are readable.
6,10
